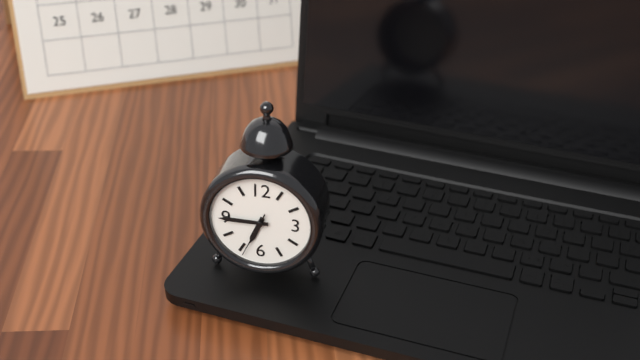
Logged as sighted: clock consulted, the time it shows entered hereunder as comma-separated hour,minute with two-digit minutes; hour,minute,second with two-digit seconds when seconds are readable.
6,45,34
